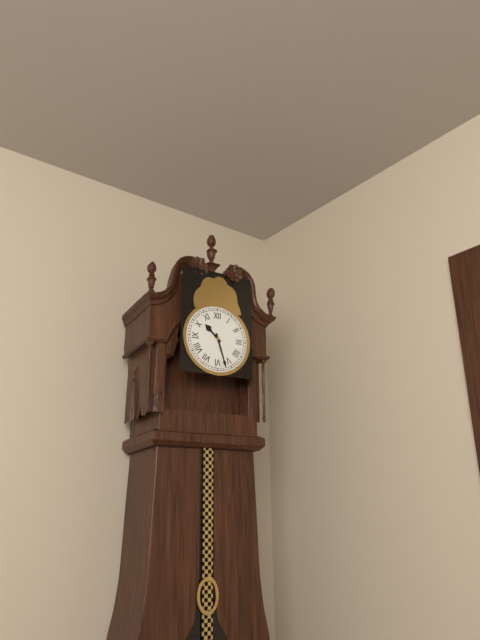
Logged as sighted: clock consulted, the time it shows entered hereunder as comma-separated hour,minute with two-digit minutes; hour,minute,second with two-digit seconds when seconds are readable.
10,27
